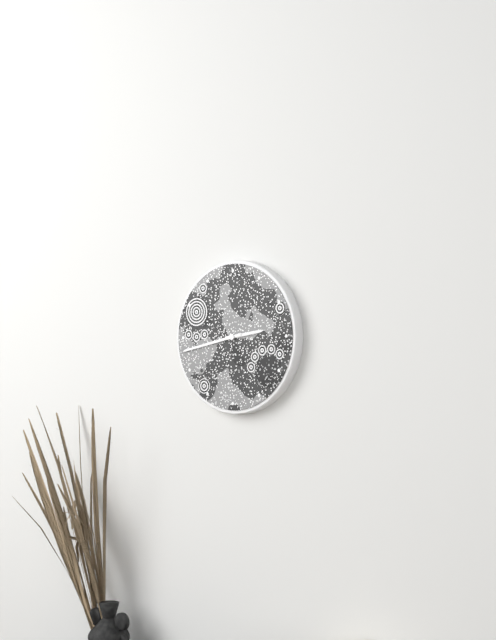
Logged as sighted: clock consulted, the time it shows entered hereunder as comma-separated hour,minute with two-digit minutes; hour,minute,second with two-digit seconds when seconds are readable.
2,43
